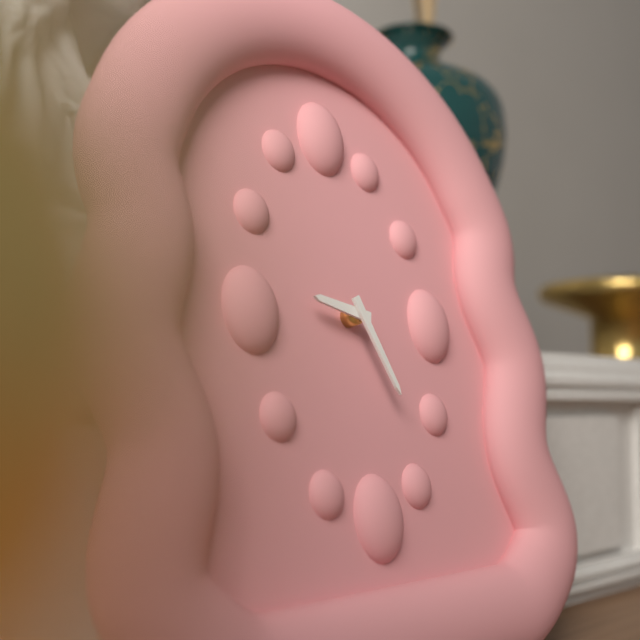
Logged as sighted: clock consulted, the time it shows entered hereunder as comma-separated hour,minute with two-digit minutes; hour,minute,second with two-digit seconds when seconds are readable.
9,26
